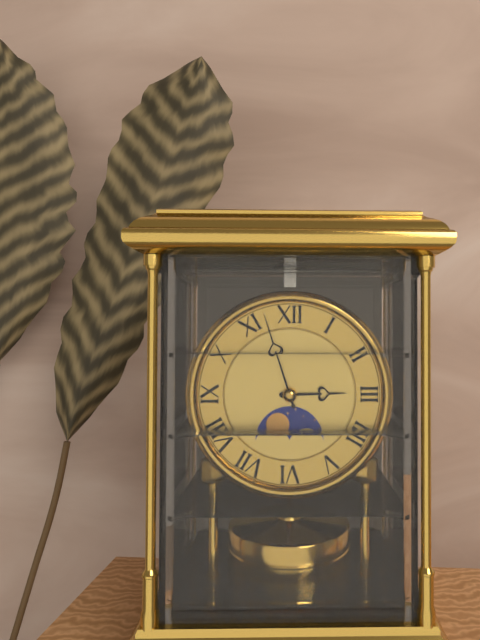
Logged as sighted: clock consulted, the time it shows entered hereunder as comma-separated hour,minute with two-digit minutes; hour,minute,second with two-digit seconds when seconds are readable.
2,57
